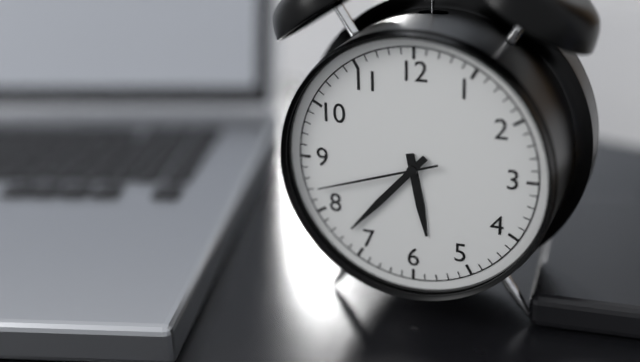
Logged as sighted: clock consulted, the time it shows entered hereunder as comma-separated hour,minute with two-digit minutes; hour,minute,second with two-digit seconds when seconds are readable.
5,37,42
